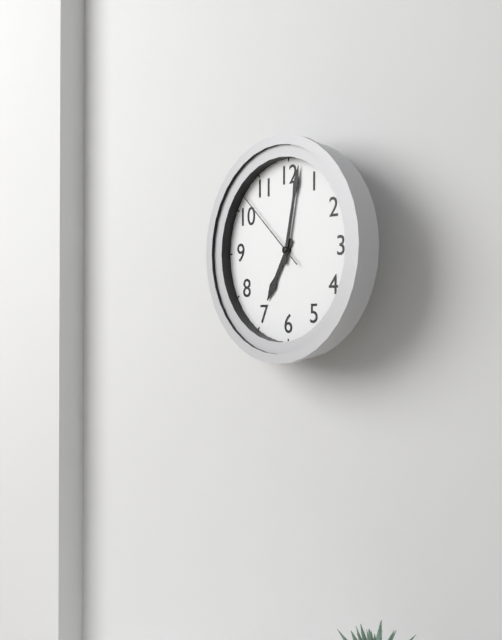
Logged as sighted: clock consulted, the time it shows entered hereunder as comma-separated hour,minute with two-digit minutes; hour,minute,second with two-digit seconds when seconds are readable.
7,02,52
